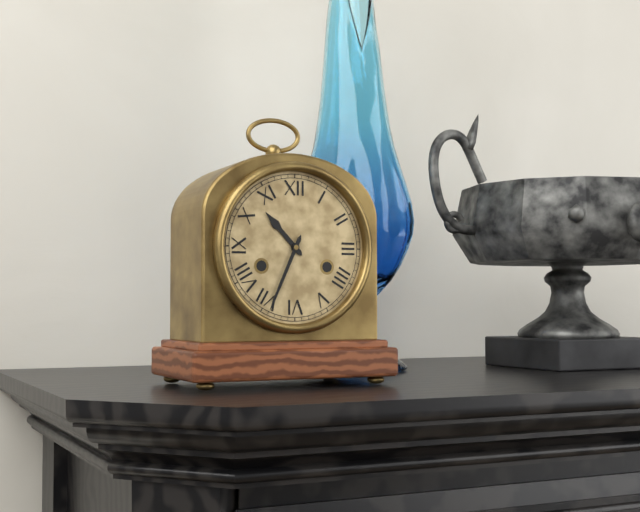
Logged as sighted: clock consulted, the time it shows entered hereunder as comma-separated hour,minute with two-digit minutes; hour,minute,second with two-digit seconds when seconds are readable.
10,34
